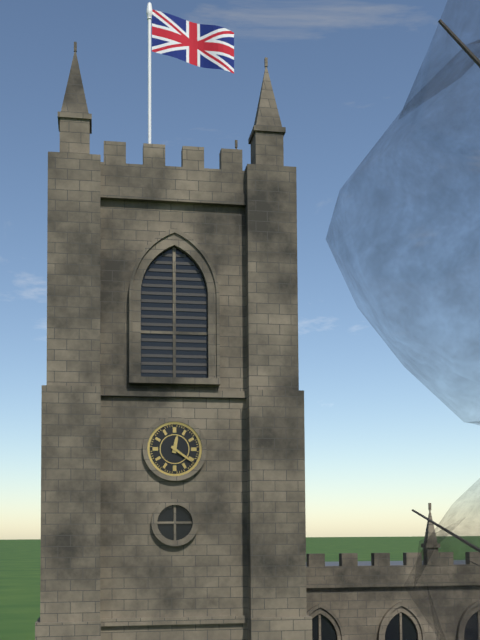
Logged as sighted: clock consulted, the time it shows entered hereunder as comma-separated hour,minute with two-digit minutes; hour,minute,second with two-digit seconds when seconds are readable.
12,21
